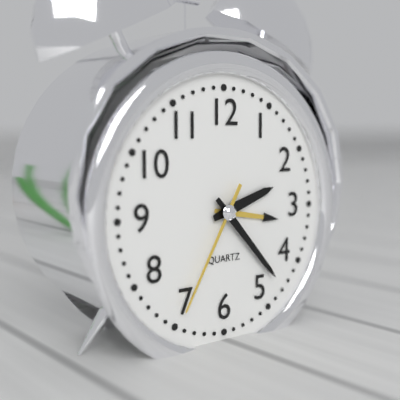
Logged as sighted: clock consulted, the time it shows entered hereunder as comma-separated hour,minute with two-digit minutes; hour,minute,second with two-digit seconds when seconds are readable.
2,23,35
